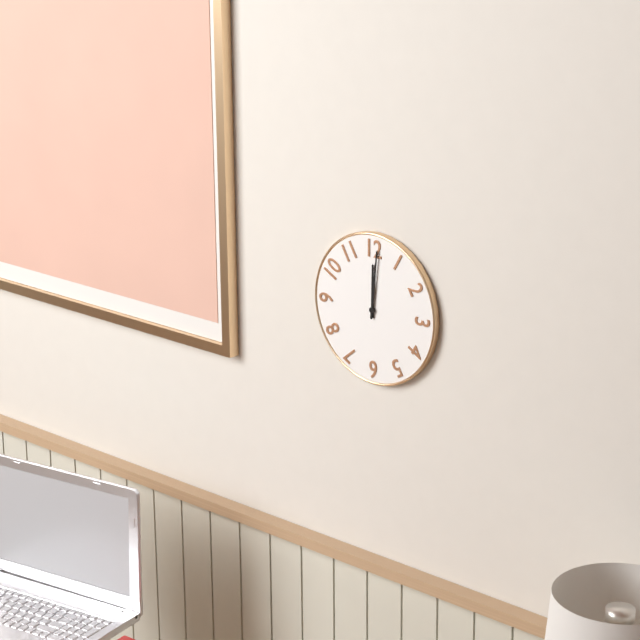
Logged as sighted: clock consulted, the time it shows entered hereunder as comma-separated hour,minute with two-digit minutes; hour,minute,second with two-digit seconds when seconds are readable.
12,01
